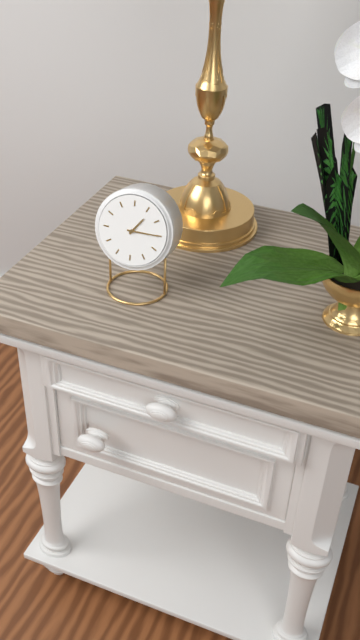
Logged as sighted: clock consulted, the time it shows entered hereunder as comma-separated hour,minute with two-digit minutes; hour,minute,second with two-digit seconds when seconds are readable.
1,15
